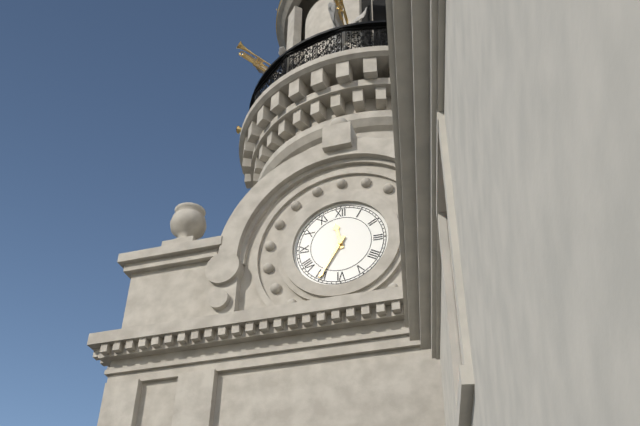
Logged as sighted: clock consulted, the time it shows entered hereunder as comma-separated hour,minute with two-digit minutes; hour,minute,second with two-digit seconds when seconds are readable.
11,35
